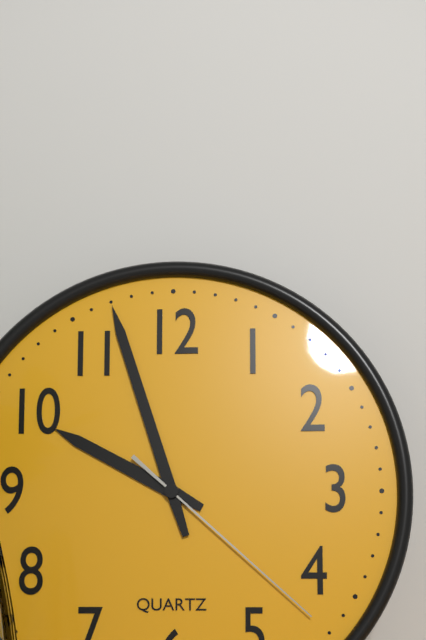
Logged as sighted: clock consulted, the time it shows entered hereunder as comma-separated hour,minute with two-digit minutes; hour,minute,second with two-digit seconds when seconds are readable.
9,57,22
